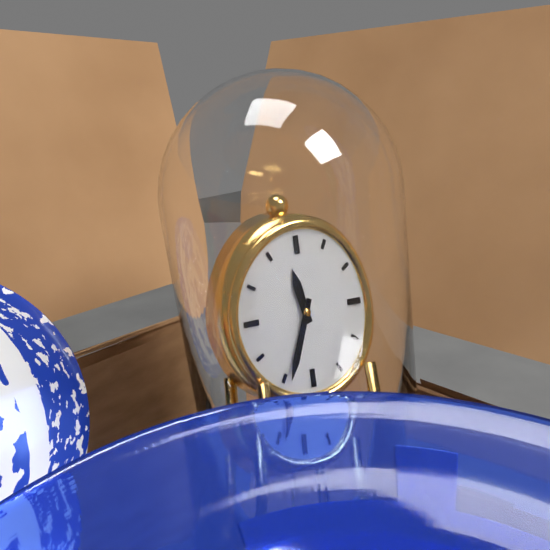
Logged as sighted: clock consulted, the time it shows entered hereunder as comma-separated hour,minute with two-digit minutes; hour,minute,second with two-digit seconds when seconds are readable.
11,34
